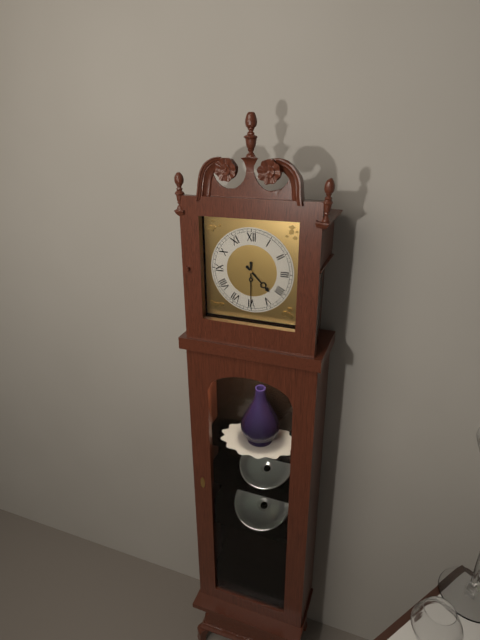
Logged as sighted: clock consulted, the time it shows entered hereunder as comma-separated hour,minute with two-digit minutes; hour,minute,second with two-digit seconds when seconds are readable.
4,30
